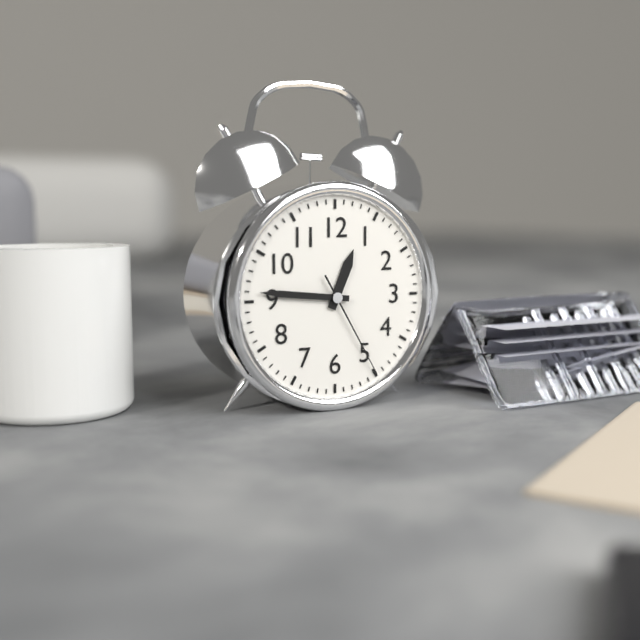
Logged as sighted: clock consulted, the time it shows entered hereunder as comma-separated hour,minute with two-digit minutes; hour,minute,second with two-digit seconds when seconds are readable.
12,46,25
